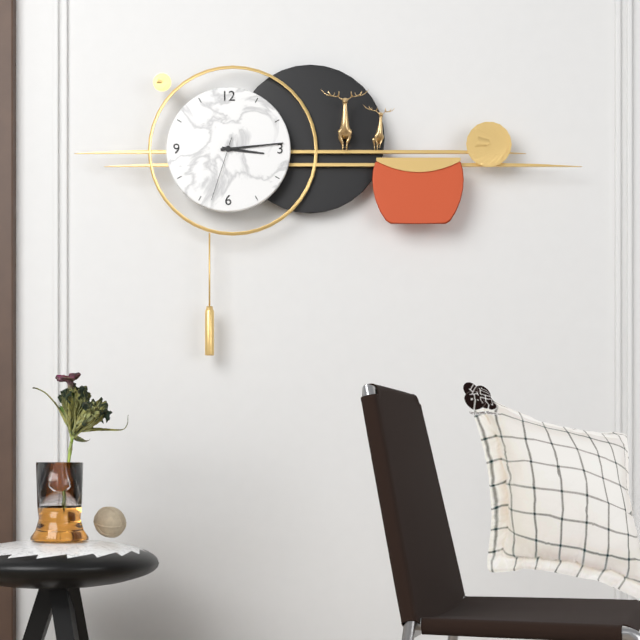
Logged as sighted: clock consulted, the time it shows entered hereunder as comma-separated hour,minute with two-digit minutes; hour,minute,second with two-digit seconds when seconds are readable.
3,14,33
